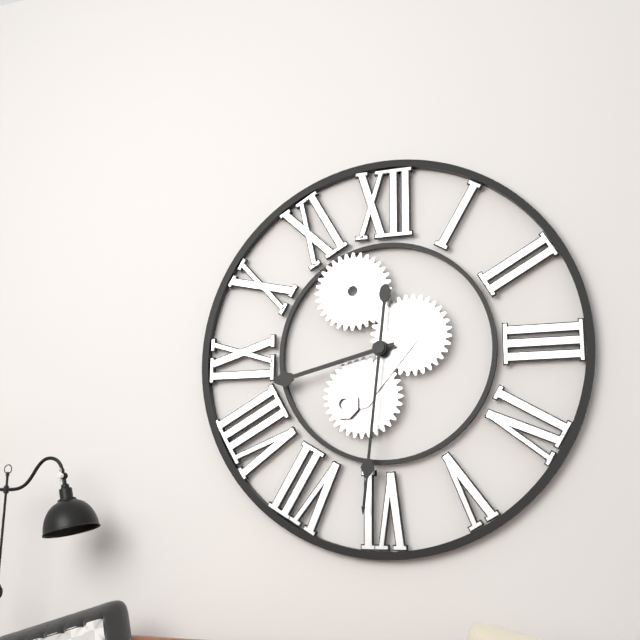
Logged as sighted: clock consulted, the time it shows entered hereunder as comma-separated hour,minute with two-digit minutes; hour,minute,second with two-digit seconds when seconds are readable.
8,31
